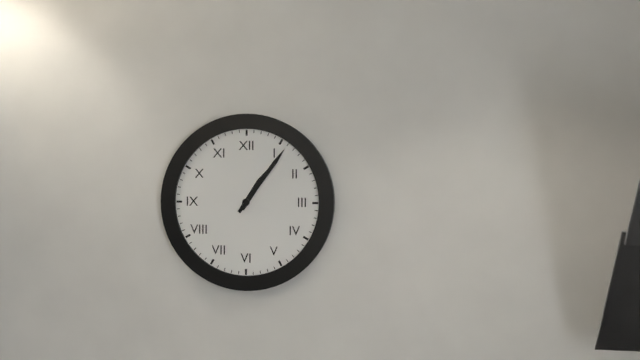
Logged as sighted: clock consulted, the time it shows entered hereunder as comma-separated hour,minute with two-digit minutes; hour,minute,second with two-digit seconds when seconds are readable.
1,06
